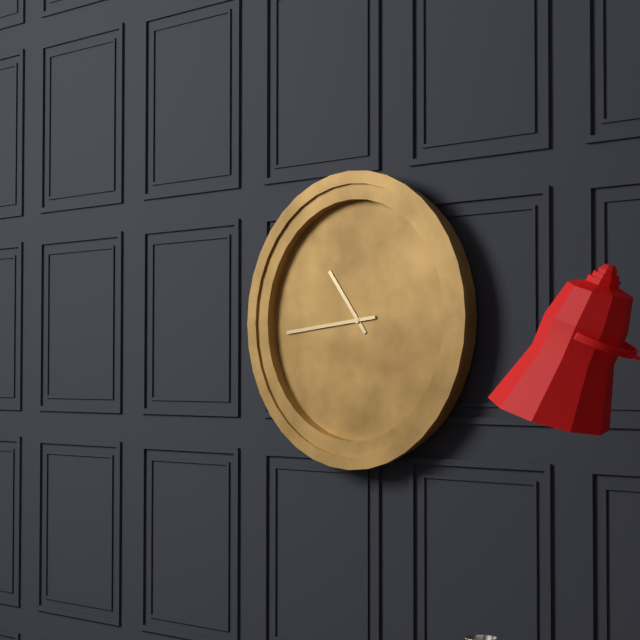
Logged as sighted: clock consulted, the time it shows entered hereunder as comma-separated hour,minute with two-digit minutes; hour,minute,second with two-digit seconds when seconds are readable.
10,44
